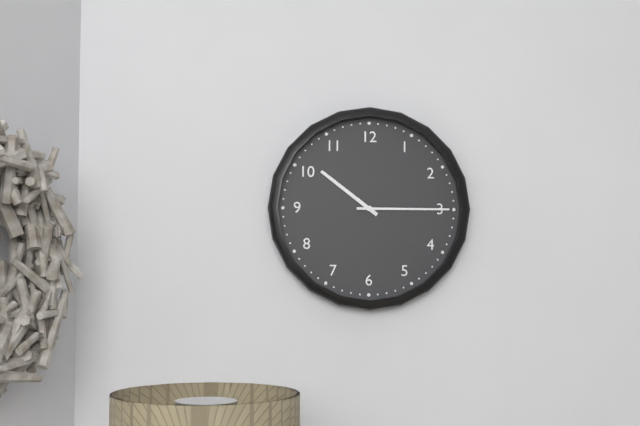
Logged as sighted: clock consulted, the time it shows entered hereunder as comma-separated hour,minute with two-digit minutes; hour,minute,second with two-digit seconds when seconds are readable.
10,15
